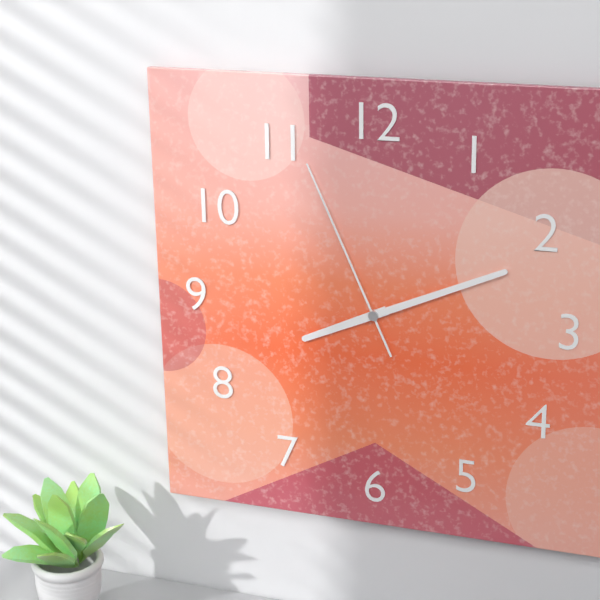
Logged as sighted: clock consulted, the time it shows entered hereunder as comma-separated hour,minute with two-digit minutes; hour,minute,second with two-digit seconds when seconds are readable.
8,11,56
